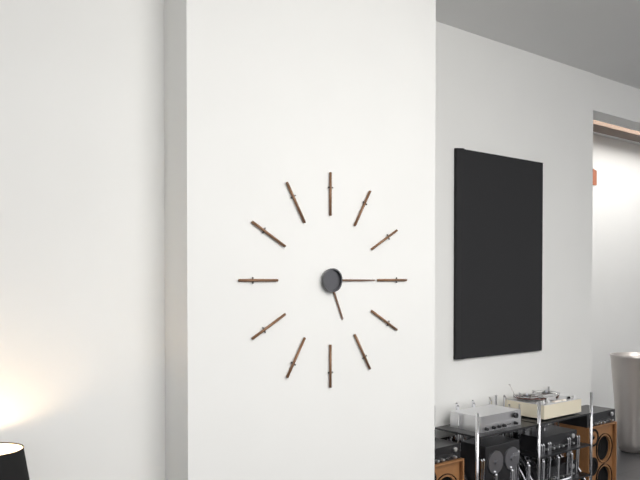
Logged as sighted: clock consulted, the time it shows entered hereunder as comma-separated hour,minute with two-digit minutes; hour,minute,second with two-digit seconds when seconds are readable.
5,15
